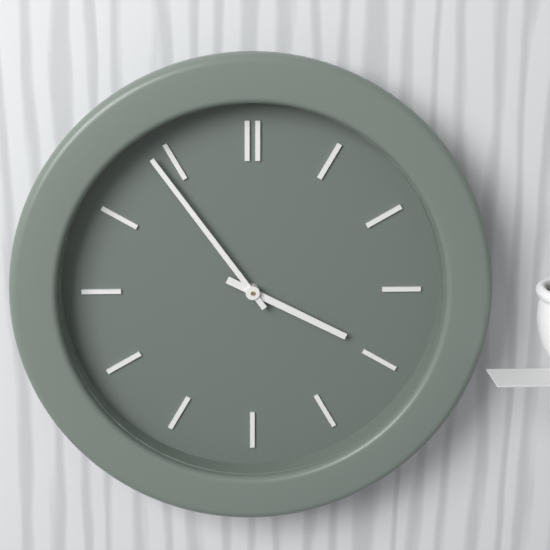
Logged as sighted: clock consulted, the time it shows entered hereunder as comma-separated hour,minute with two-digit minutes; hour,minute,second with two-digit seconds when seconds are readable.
3,54
